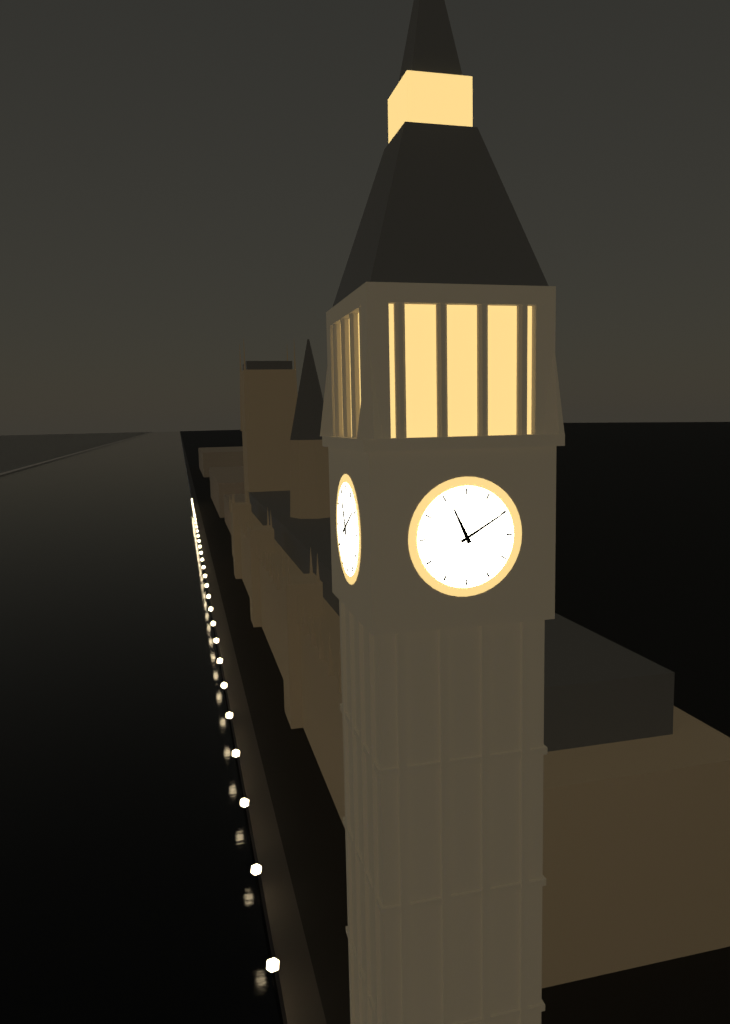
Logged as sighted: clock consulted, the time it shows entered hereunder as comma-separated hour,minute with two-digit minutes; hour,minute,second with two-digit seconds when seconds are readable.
11,10
